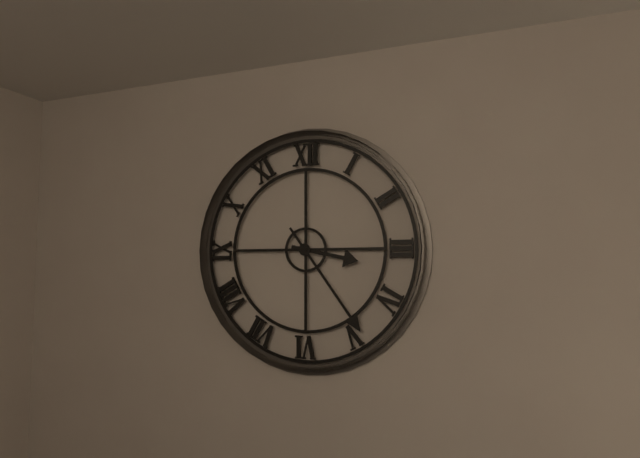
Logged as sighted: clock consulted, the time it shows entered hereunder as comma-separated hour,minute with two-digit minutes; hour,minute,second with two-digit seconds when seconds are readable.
3,24
